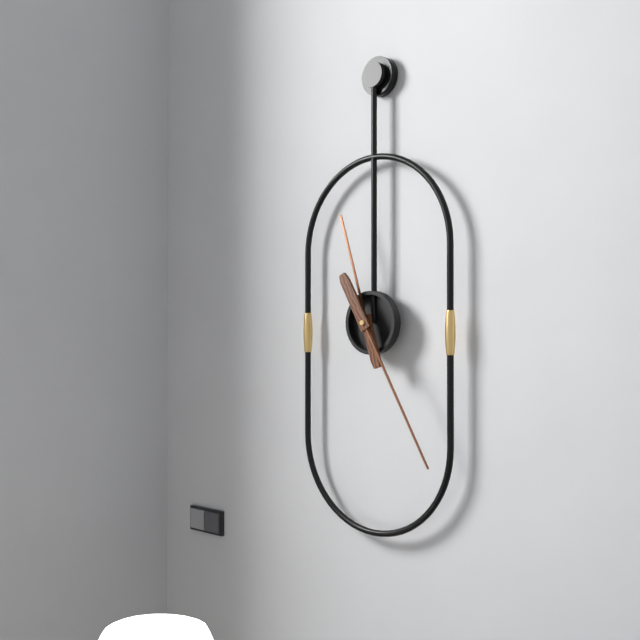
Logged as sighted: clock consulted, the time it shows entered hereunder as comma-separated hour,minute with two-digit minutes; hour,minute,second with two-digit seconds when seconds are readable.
11,25
